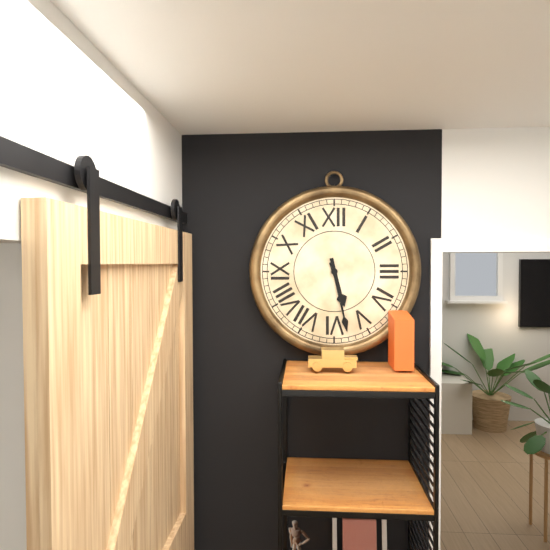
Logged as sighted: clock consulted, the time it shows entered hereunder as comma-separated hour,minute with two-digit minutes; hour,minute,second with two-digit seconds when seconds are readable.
5,28
